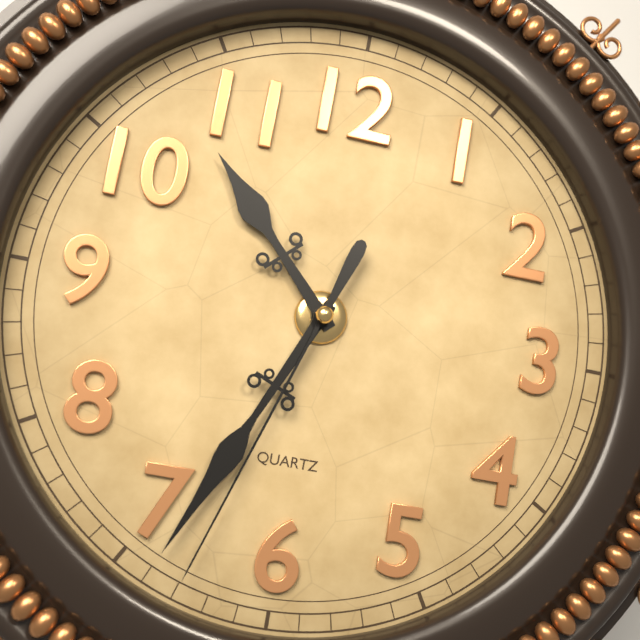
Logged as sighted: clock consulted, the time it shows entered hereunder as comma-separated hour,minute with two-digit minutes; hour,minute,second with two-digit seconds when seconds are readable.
10,34,33
